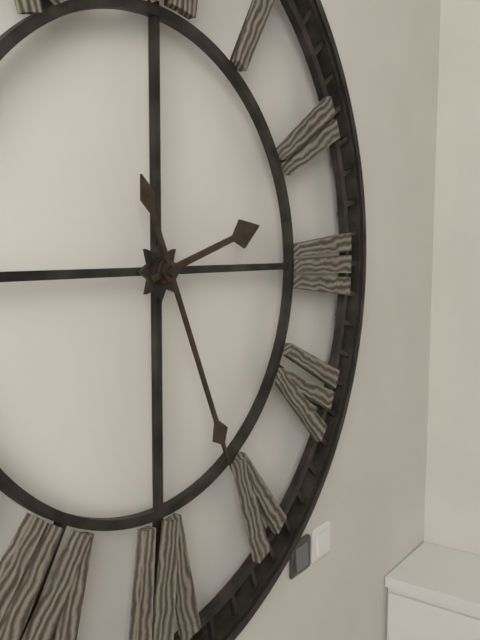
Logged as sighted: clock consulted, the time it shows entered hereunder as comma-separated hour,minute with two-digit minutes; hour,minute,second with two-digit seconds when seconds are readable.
2,26
